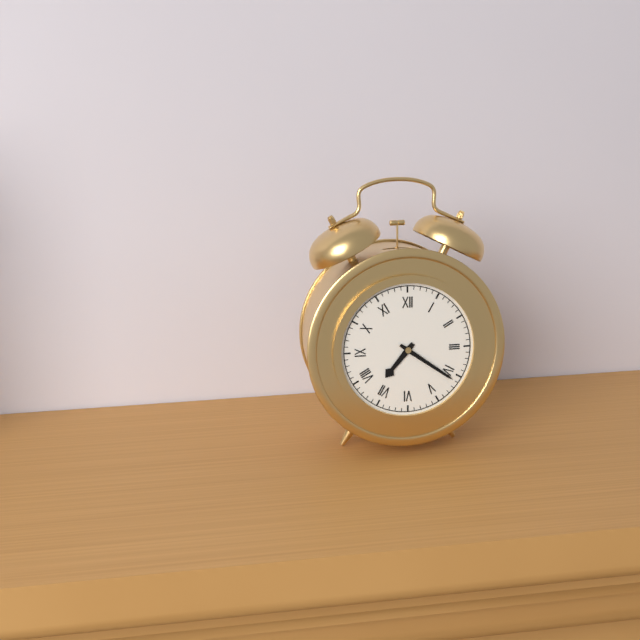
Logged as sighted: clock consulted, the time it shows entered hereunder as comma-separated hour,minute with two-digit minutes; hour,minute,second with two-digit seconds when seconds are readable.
7,21
